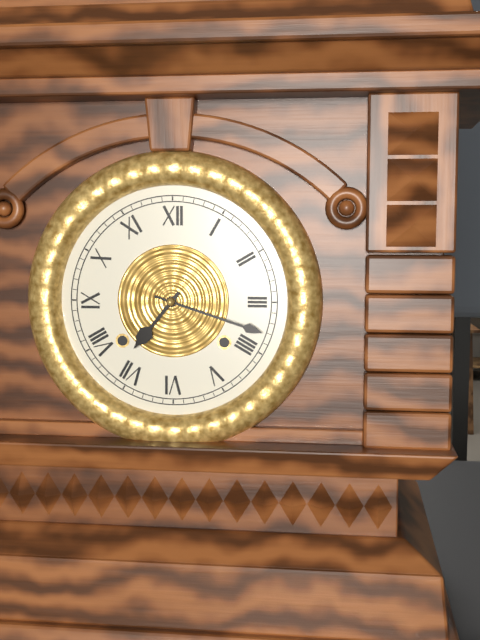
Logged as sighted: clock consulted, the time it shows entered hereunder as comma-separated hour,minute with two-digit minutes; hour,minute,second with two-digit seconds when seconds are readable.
7,18
